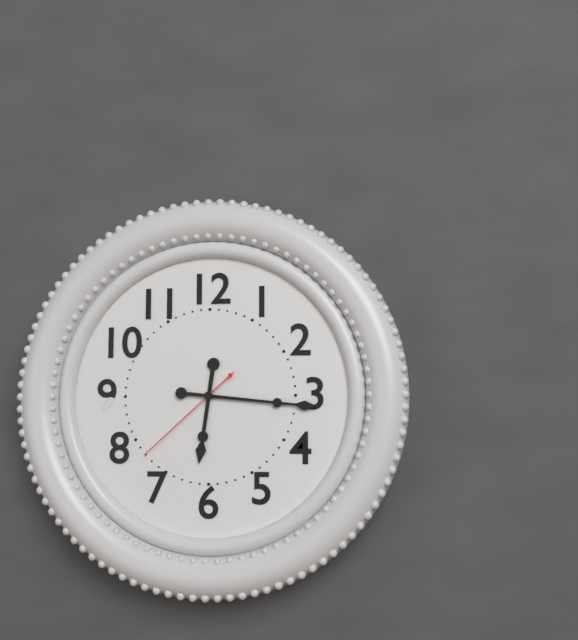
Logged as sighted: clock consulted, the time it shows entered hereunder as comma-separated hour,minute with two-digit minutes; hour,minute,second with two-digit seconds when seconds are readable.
6,16,38
